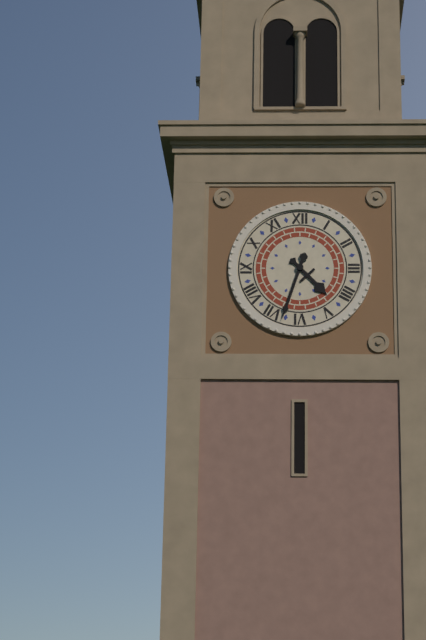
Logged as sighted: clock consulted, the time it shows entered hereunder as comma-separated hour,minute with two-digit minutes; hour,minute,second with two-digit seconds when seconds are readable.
4,33
